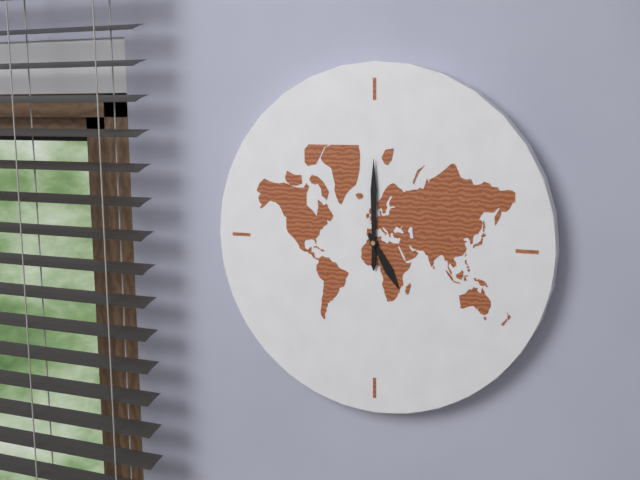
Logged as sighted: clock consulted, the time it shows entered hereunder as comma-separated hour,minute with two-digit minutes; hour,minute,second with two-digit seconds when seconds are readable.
5,00
